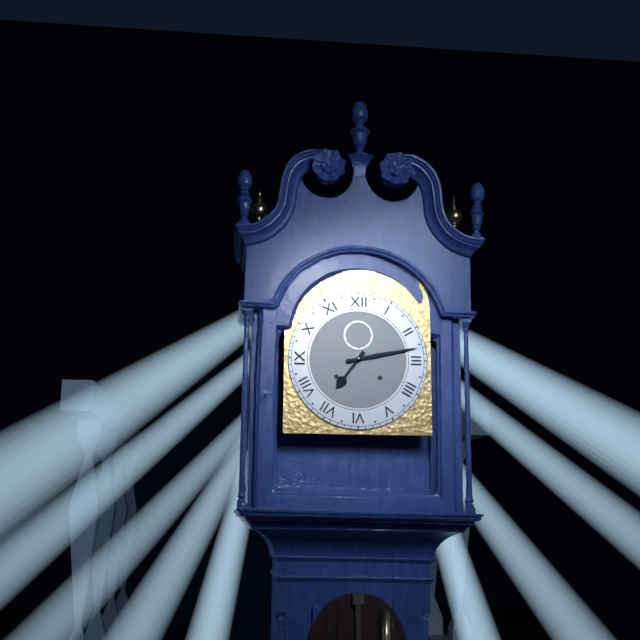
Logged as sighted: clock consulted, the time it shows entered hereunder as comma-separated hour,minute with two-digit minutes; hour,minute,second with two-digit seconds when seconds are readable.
7,13
